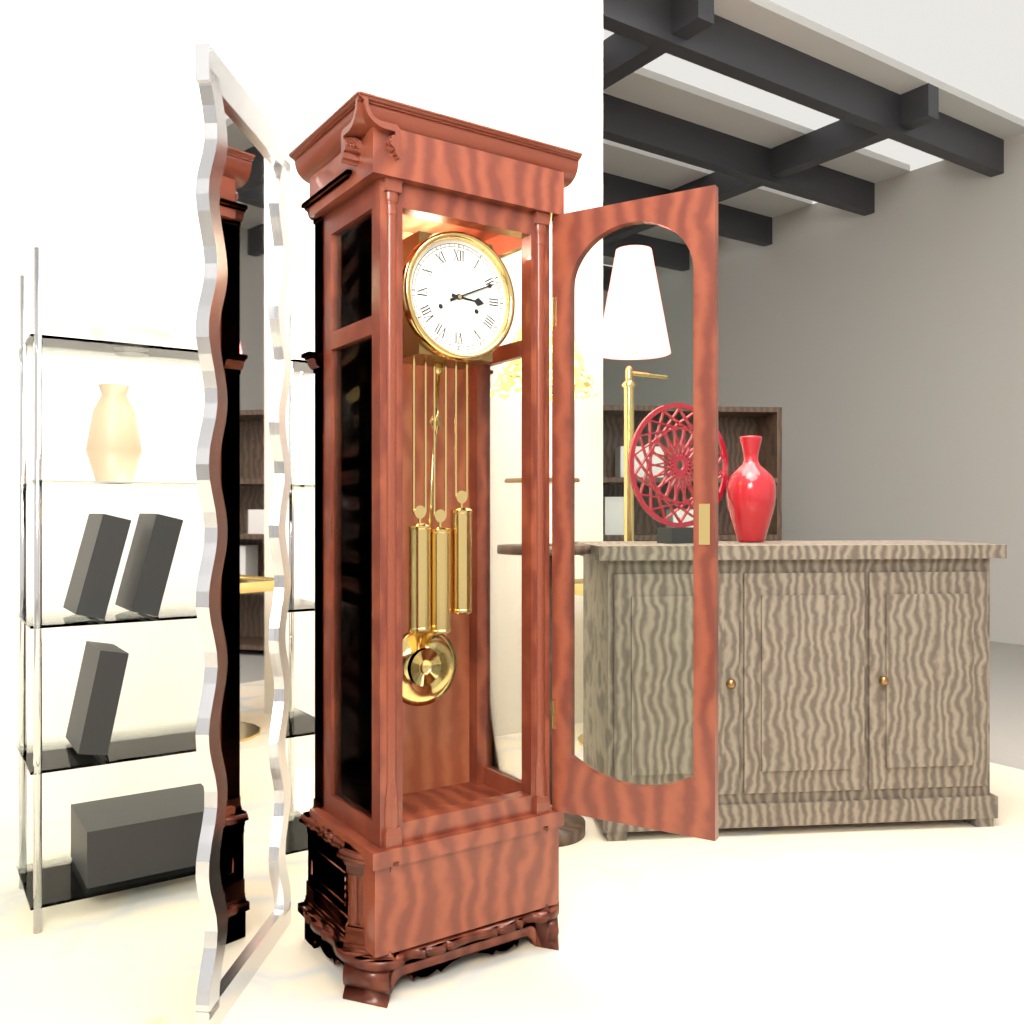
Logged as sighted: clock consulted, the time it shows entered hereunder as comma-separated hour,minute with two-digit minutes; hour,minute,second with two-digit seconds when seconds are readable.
3,11
